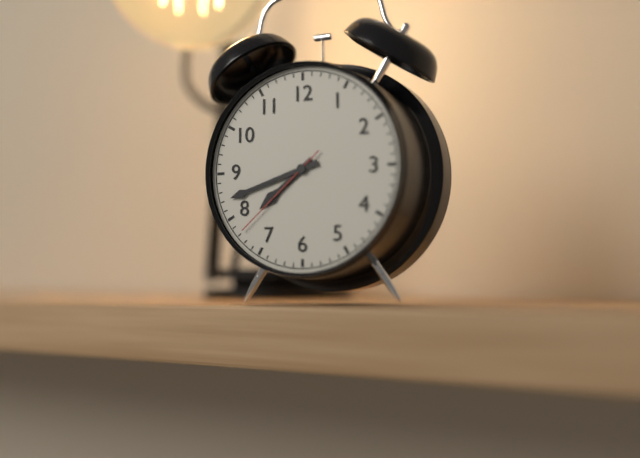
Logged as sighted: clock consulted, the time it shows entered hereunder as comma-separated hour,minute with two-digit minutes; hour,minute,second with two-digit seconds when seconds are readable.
7,42,38
